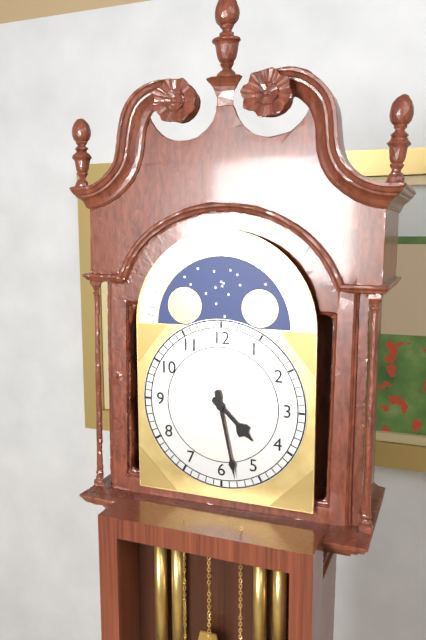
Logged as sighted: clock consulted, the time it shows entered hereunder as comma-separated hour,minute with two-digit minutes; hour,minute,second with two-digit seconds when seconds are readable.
4,28
